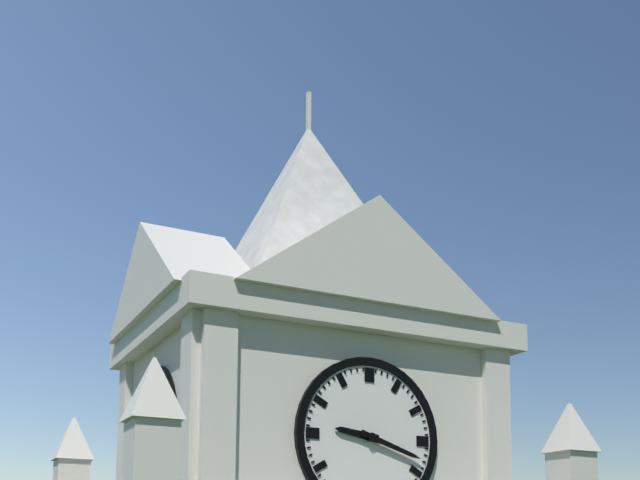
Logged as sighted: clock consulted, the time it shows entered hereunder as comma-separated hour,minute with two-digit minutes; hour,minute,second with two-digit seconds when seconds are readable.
9,18
